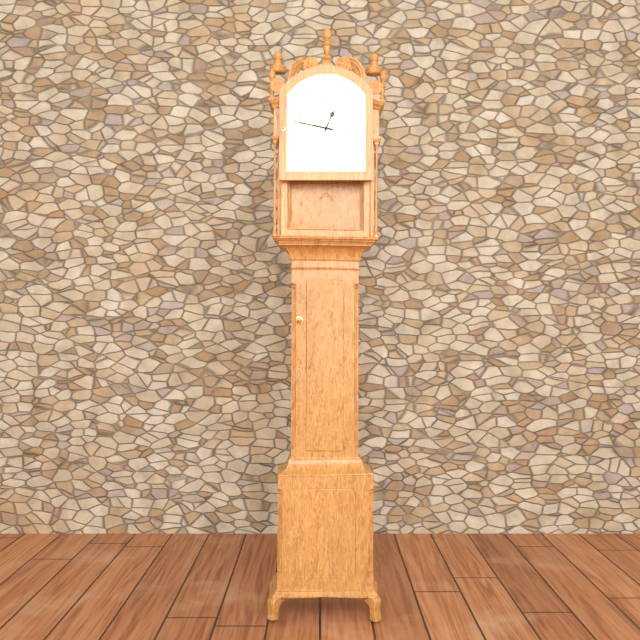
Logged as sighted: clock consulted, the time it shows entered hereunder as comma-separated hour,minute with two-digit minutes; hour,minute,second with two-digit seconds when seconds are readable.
12,47
